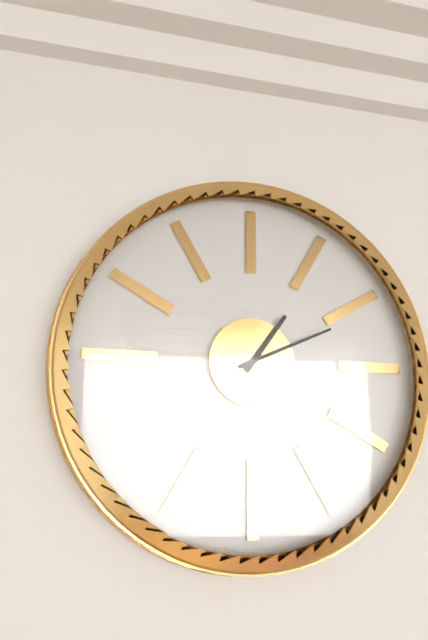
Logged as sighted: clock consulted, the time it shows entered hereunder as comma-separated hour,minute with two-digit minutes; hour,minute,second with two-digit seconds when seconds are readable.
1,11
